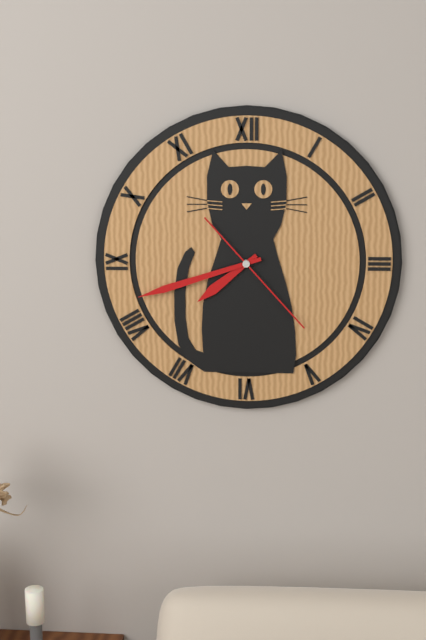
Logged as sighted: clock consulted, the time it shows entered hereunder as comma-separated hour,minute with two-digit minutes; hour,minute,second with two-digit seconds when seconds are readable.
7,42,23
